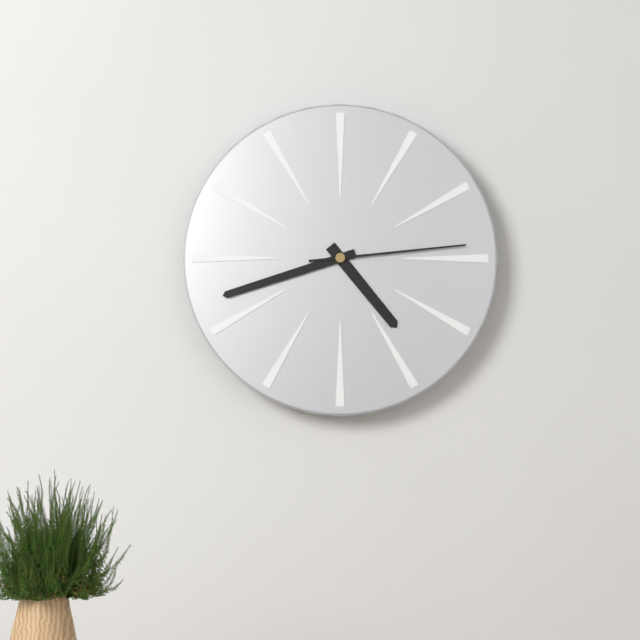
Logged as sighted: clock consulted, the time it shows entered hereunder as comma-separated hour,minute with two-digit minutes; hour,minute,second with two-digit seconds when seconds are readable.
4,42,14
